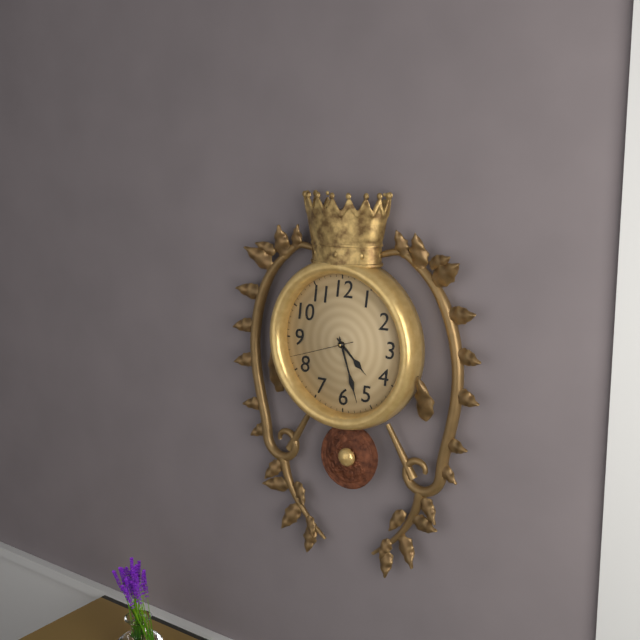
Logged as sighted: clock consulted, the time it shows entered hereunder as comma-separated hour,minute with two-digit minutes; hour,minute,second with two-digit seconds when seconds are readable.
4,27,42
